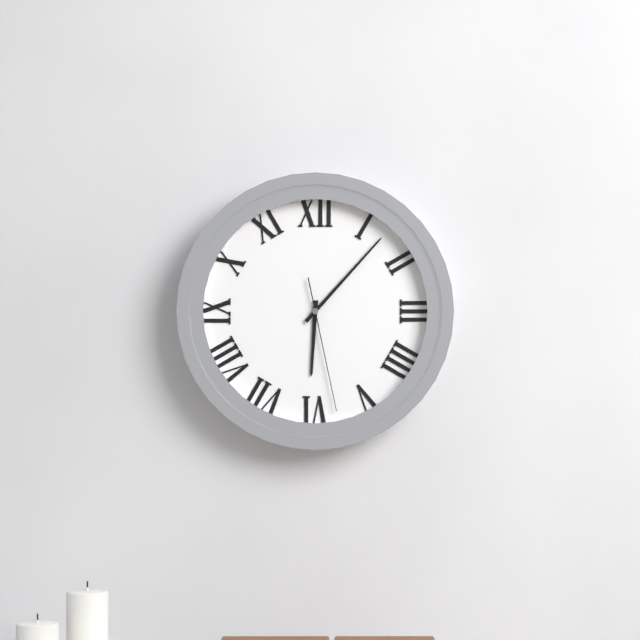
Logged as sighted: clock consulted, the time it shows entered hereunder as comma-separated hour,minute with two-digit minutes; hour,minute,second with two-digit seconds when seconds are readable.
6,07,28
